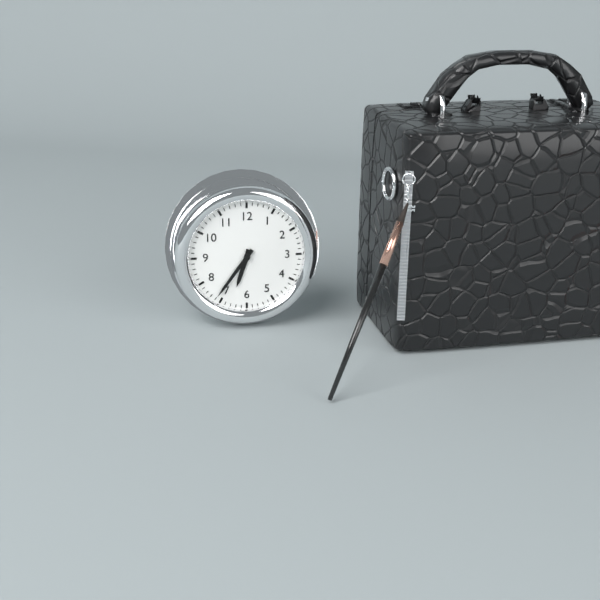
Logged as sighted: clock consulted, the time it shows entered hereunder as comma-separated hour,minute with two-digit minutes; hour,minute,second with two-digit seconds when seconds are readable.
6,36
